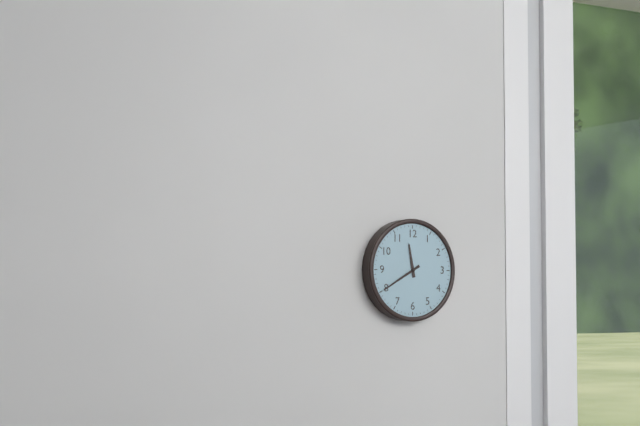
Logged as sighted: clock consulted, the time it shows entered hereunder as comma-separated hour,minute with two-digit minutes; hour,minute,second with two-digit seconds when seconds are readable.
11,40
